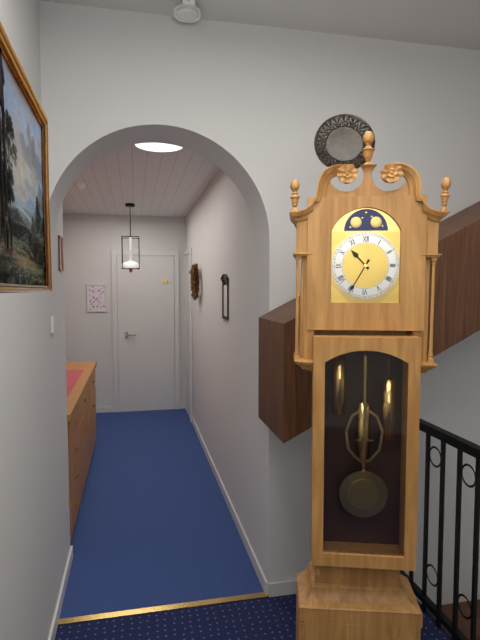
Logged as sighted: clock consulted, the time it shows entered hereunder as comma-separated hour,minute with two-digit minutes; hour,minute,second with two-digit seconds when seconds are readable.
10,35
